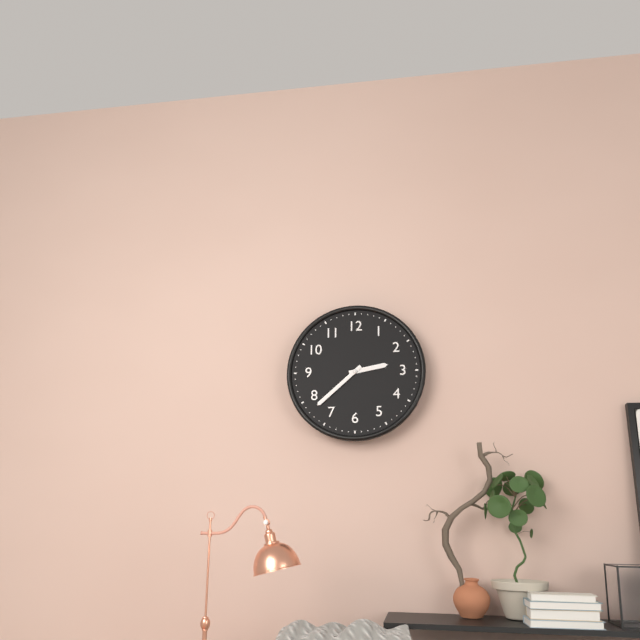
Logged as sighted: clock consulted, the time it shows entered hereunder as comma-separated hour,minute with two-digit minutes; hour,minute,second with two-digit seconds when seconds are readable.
2,38
